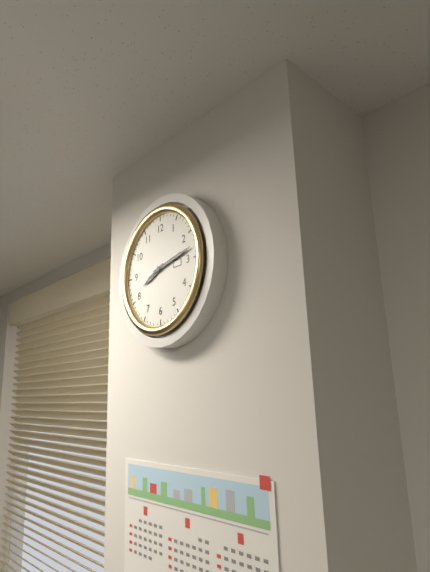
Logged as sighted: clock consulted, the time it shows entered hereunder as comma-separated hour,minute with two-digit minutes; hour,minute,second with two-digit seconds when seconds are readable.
8,13
